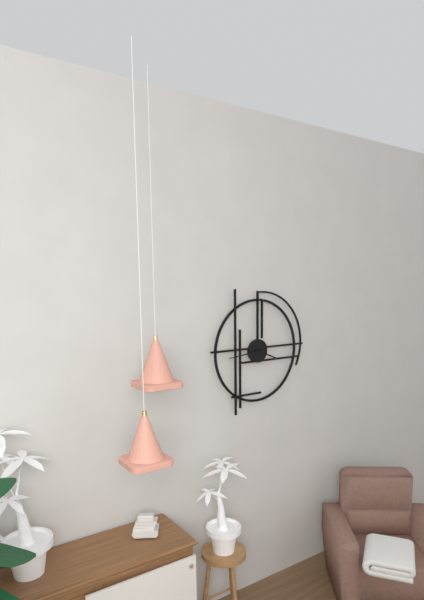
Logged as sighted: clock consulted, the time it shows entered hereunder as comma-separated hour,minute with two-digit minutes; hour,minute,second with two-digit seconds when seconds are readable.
3,44
